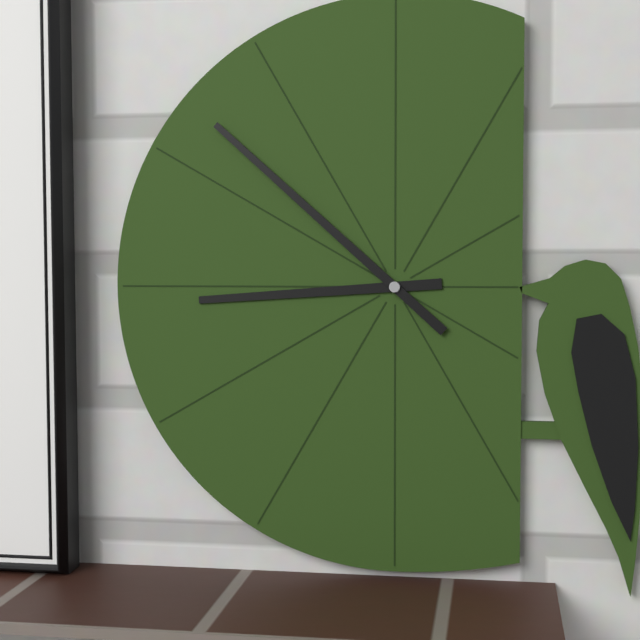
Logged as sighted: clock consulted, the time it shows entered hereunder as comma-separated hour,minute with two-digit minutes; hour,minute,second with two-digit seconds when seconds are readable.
8,52
